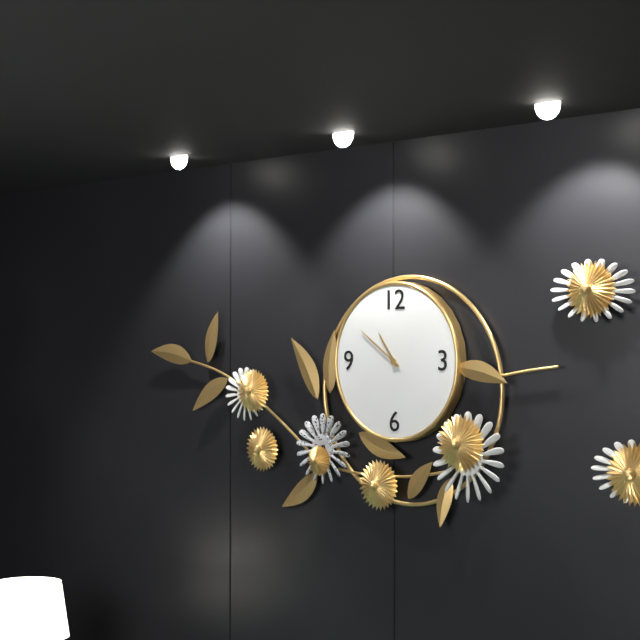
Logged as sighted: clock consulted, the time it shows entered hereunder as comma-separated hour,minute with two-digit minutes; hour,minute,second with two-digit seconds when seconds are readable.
10,51
